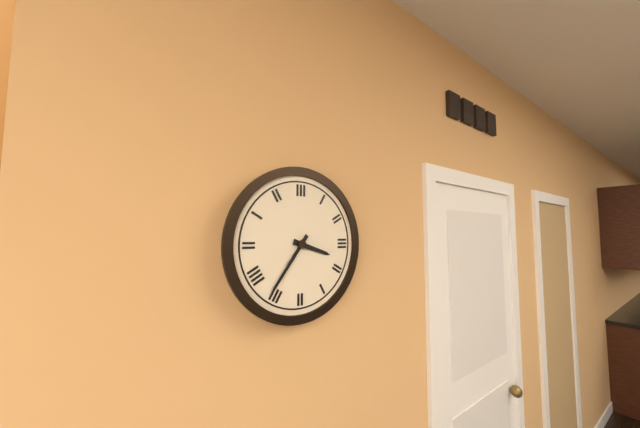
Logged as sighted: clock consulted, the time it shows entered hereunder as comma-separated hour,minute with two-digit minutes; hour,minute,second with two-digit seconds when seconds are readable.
3,36
